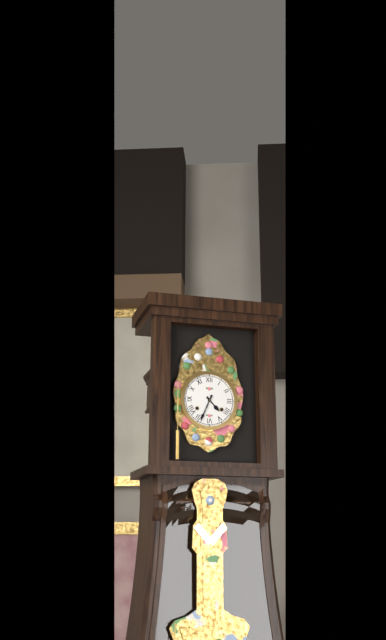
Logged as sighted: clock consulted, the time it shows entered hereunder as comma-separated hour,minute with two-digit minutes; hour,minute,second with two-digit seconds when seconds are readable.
4,34
